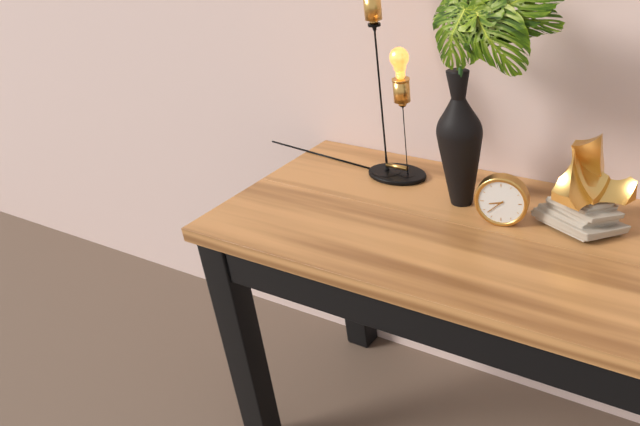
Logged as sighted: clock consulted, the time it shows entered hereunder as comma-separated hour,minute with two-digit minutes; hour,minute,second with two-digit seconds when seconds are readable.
8,38
